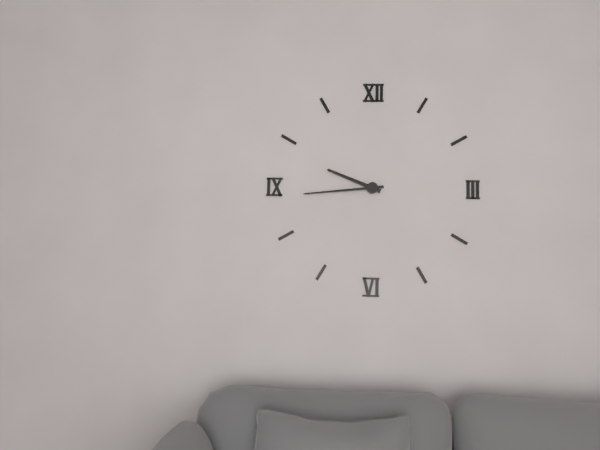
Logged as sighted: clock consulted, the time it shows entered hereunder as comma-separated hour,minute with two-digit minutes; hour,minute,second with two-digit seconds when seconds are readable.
9,44
